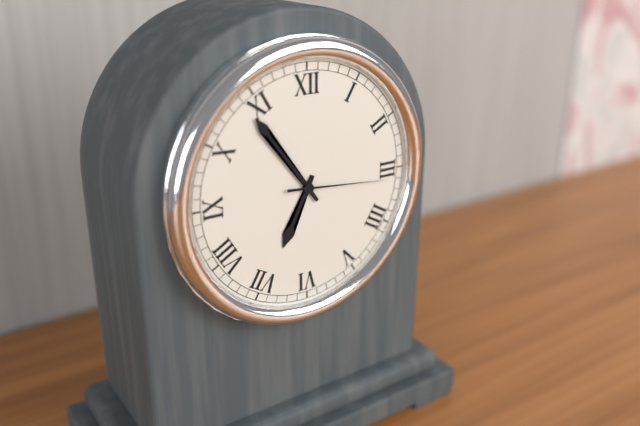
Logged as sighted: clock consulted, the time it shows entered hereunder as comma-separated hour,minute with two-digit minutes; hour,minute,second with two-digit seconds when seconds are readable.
6,54,16
